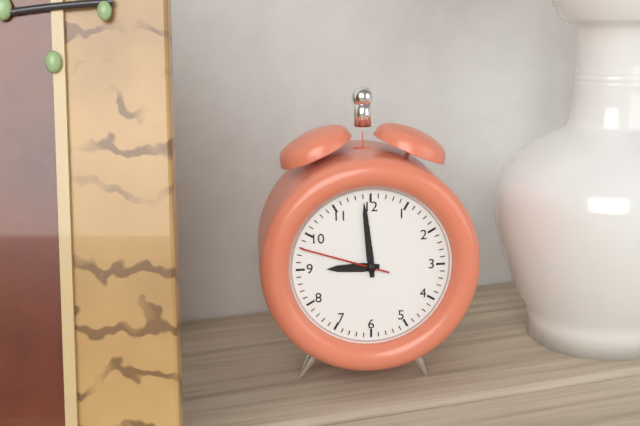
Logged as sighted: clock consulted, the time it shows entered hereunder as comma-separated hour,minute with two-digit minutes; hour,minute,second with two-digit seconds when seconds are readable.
8,59,48
